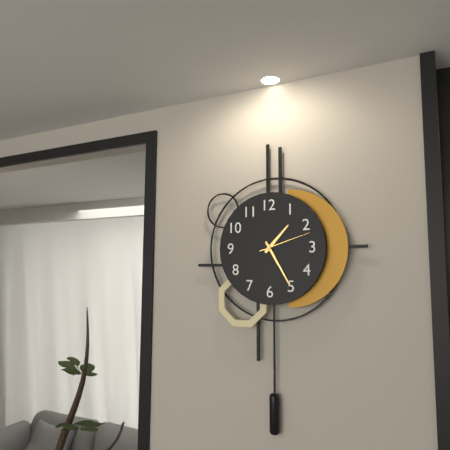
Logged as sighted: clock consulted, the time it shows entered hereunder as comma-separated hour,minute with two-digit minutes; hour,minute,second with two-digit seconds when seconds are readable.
1,25,12
